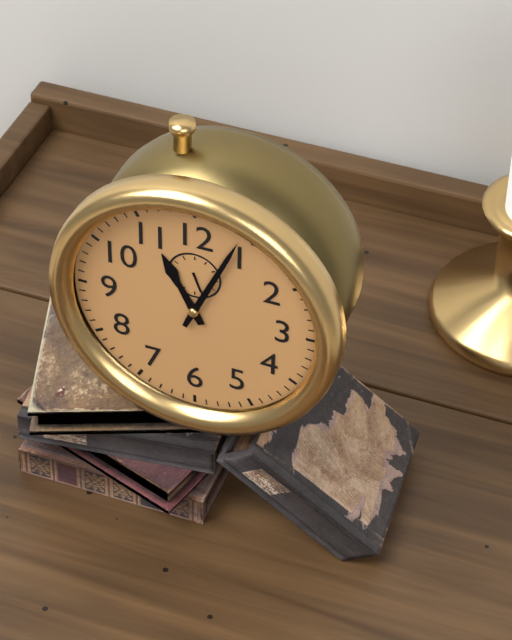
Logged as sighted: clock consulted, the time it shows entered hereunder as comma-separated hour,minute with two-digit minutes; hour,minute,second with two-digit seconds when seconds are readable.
11,04
